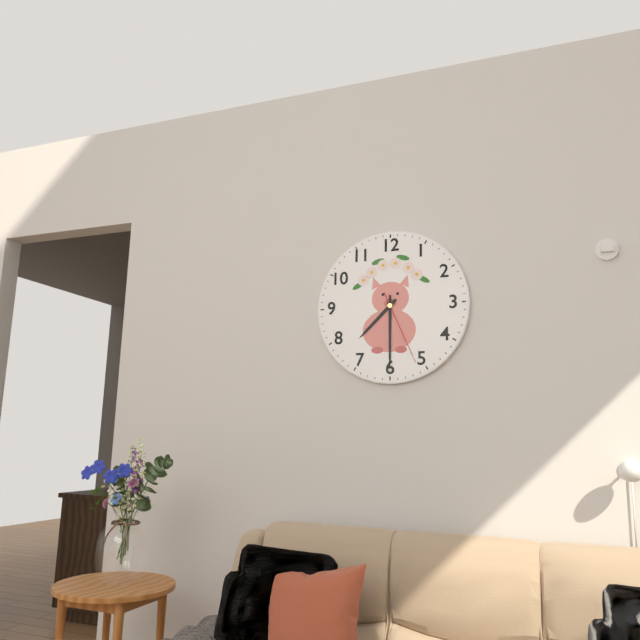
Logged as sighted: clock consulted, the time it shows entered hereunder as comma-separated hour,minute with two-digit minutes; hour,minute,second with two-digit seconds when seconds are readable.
7,30,26
